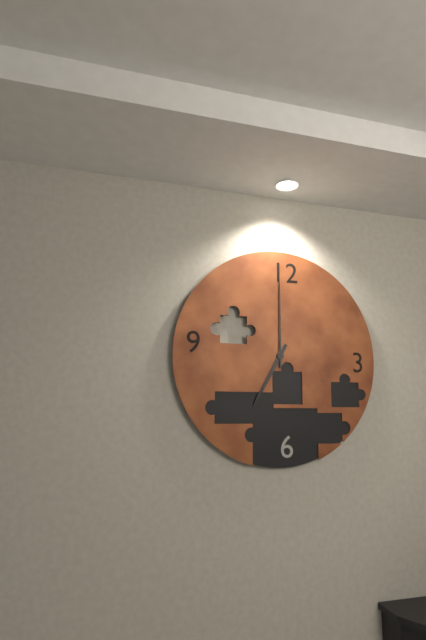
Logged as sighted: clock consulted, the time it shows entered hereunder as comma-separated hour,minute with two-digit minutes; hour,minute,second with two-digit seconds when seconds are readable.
7,00
